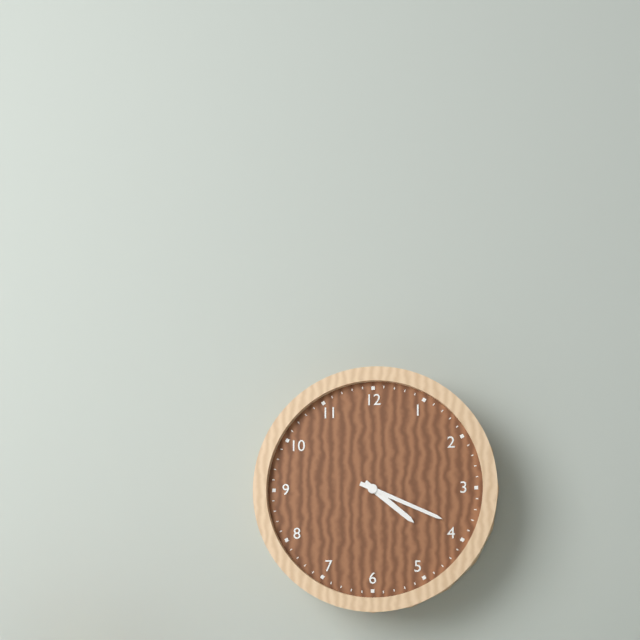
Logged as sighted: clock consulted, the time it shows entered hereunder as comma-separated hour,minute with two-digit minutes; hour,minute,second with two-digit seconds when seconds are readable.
4,19
